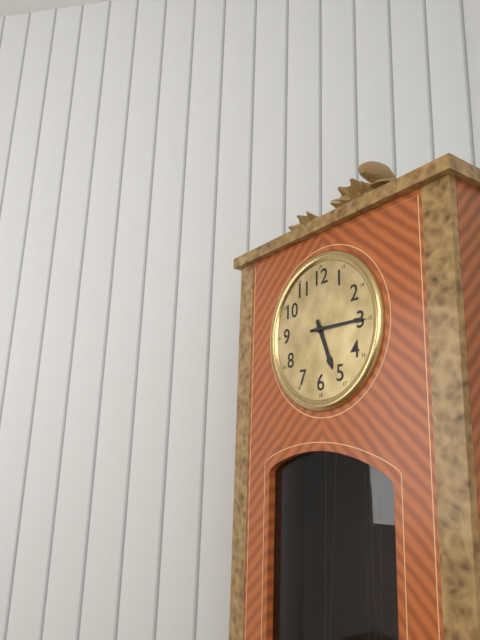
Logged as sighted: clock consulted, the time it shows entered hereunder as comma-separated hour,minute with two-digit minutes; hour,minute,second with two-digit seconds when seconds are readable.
5,15
